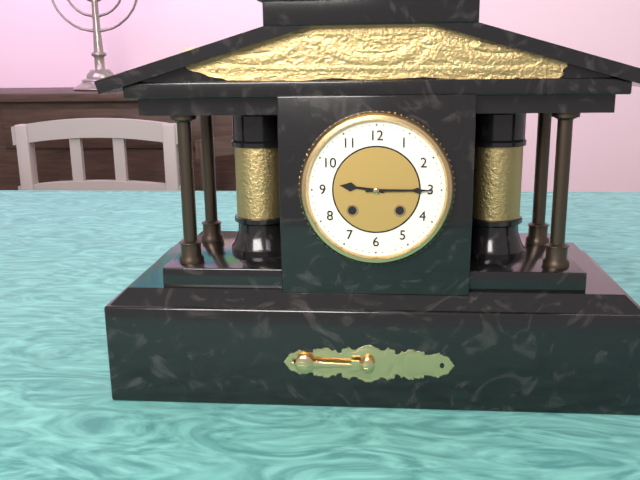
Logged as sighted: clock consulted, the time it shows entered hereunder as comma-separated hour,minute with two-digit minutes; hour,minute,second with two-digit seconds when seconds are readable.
9,15
